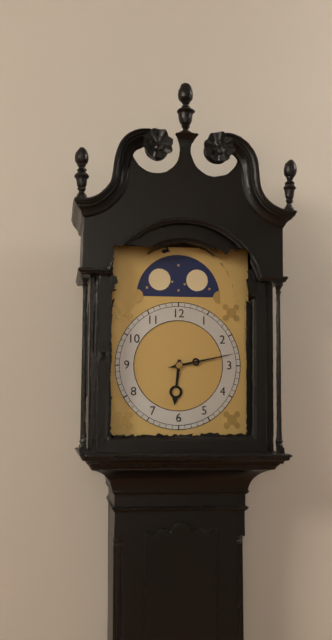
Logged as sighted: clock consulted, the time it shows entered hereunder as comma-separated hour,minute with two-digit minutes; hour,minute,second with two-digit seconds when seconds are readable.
6,13
